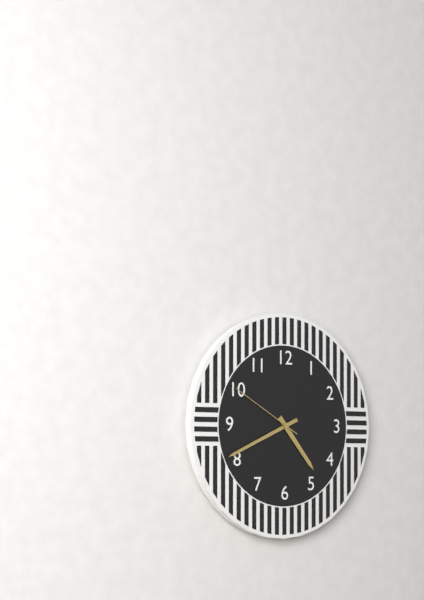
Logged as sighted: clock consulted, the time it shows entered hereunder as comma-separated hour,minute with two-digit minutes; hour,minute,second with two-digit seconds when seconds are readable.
4,41,50
